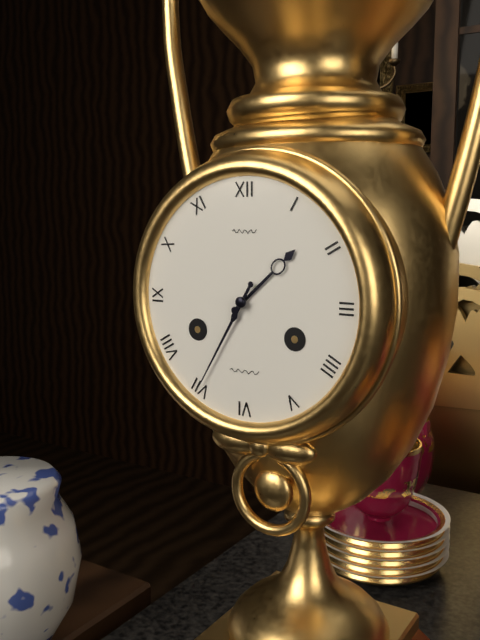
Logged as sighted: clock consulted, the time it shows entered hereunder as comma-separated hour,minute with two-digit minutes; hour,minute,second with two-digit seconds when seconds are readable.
1,35
